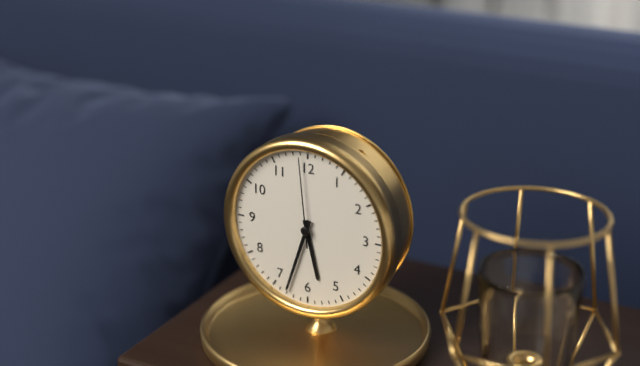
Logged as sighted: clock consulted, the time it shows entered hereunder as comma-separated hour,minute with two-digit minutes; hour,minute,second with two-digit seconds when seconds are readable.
5,33,59
